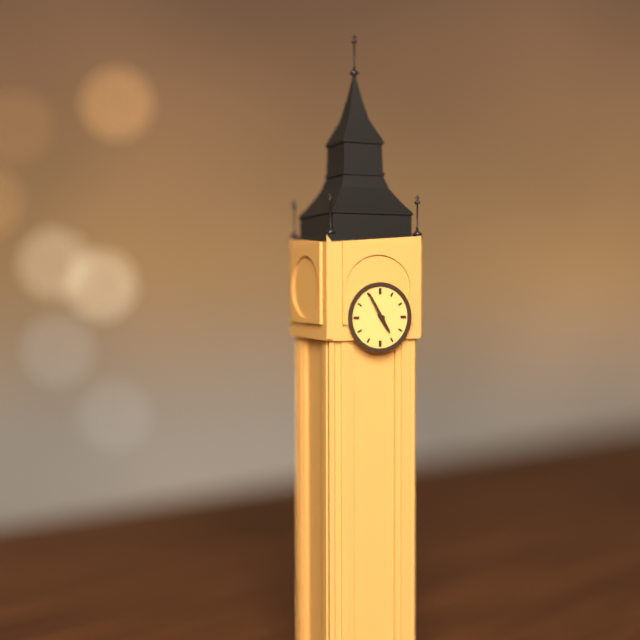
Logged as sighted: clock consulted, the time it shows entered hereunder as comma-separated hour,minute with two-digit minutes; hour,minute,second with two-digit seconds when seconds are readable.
4,55
